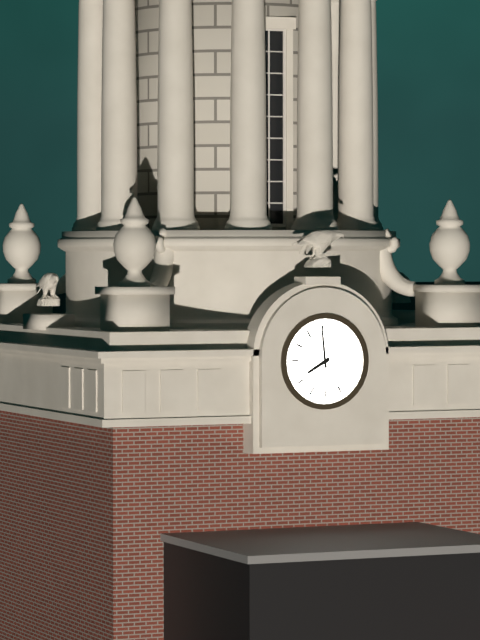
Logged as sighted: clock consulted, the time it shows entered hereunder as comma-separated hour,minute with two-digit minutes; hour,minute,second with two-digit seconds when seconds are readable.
7,59
